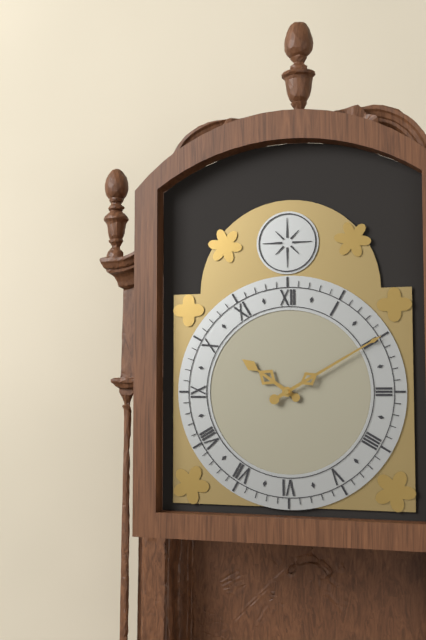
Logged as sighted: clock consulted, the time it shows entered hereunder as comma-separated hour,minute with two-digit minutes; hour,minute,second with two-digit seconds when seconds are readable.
10,10
